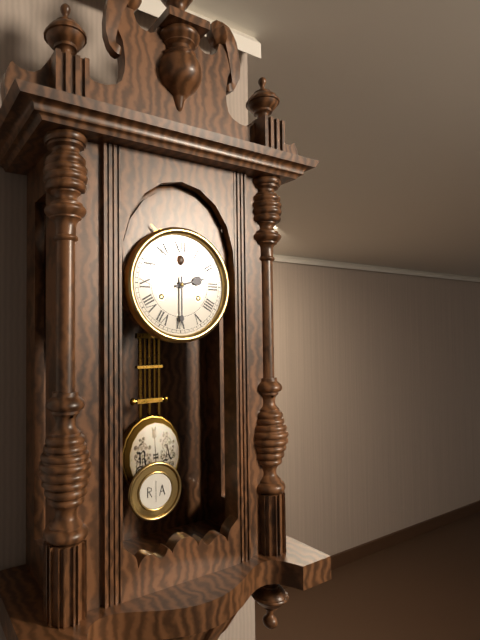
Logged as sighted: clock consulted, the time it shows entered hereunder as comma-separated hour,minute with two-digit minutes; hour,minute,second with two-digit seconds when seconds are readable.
2,30
